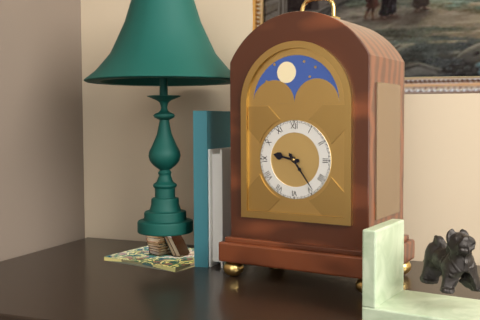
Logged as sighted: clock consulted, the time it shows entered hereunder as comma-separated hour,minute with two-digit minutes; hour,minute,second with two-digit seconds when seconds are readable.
9,24
